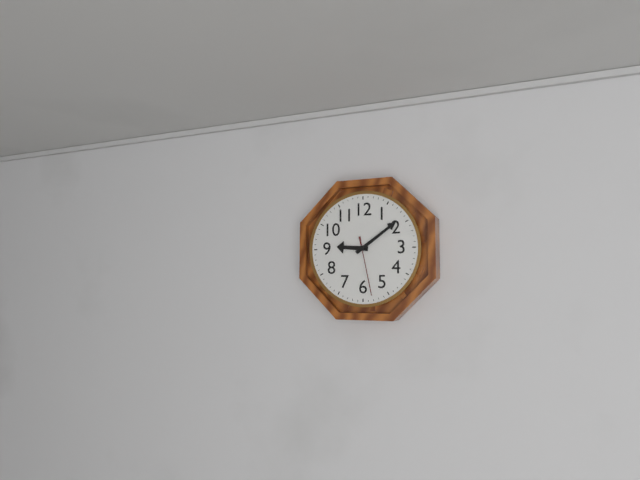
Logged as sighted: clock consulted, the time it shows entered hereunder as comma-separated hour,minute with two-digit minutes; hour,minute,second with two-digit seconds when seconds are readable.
9,09,28
